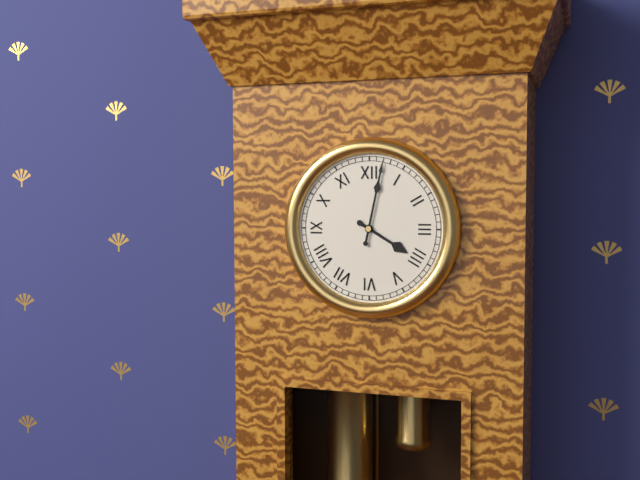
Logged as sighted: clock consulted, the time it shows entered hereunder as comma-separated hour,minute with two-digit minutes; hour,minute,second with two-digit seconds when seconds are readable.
4,02
